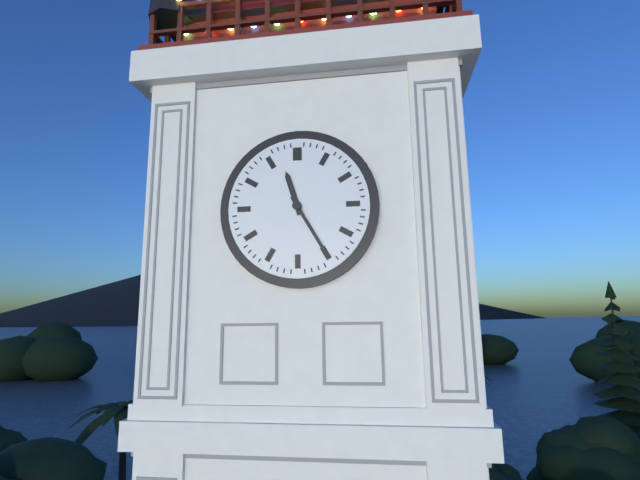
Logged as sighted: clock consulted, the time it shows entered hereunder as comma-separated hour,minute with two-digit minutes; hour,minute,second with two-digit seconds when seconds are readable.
11,25
